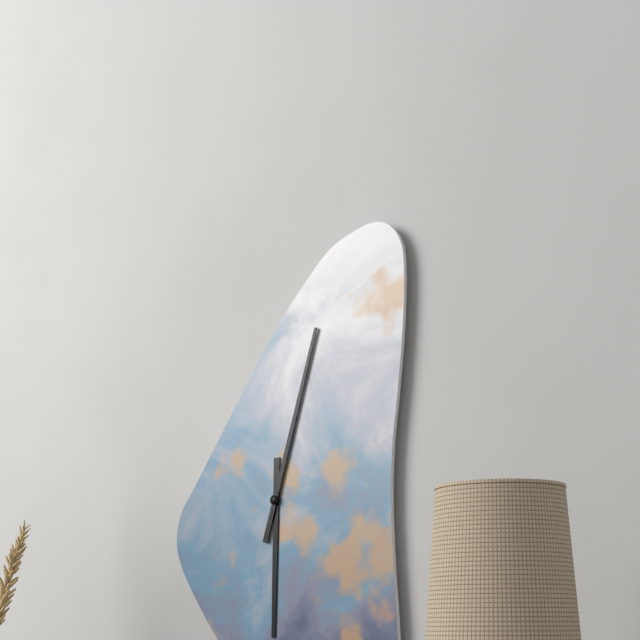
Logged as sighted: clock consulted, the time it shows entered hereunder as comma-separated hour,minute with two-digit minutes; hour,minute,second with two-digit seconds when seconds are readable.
6,03
